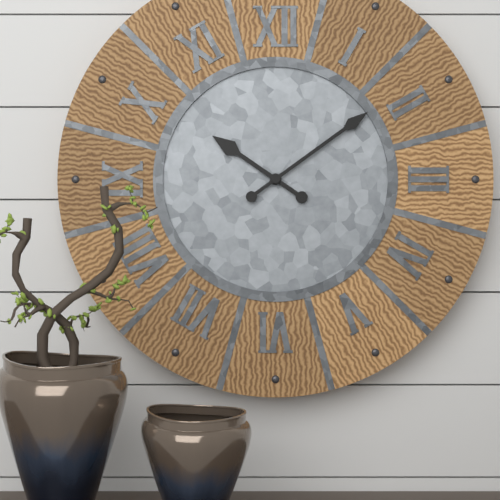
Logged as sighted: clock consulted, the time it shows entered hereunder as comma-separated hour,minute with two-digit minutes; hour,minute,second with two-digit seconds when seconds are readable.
10,09
